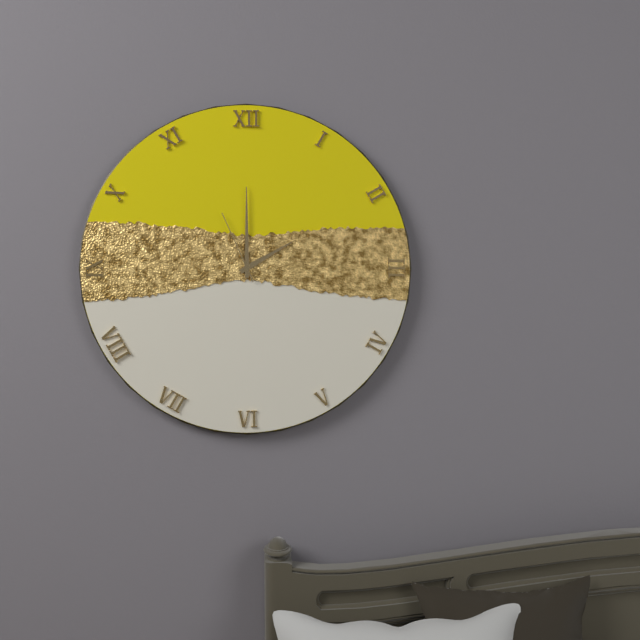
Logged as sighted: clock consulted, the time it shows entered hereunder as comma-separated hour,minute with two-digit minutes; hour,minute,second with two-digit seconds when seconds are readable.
2,00,56
